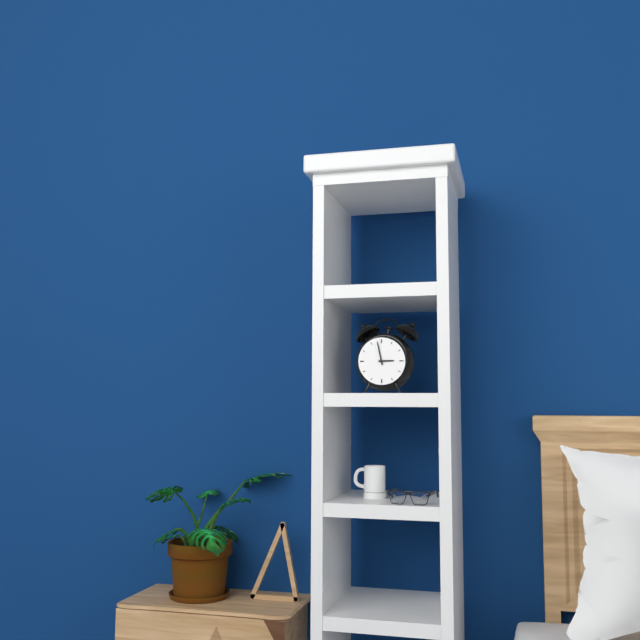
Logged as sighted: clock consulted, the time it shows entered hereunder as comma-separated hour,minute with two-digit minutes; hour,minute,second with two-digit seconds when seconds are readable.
2,58
